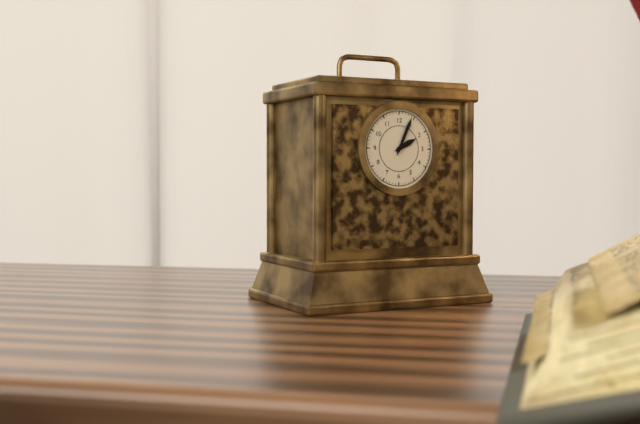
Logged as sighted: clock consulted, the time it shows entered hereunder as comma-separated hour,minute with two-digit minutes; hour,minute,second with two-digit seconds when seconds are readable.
2,04
